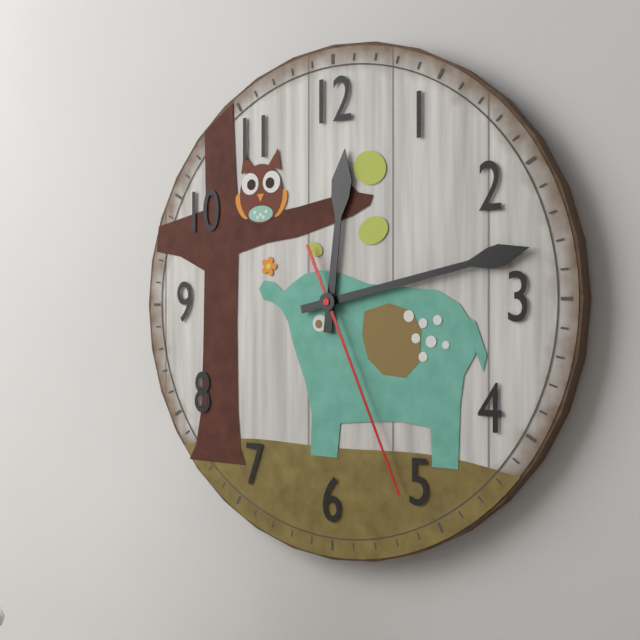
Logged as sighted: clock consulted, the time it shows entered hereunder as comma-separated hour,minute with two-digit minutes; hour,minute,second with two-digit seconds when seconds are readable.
12,13,26
